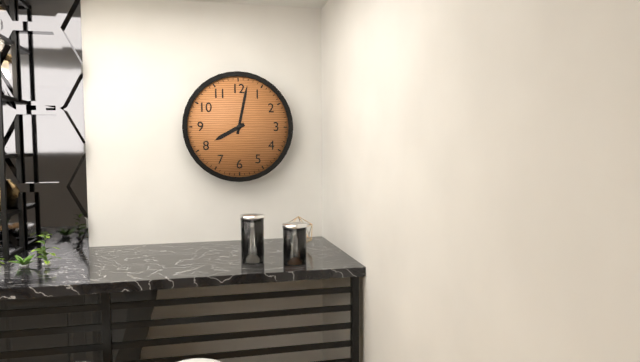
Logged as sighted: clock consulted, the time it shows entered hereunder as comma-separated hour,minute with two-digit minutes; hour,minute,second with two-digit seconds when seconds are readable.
8,02
